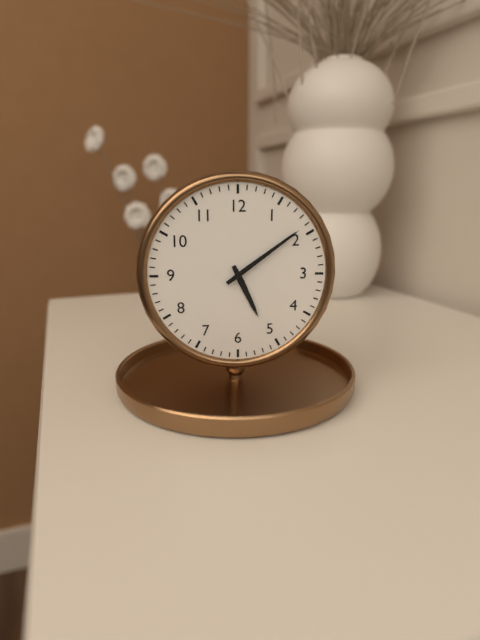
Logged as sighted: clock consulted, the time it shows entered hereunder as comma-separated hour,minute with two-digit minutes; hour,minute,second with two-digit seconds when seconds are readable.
5,09
